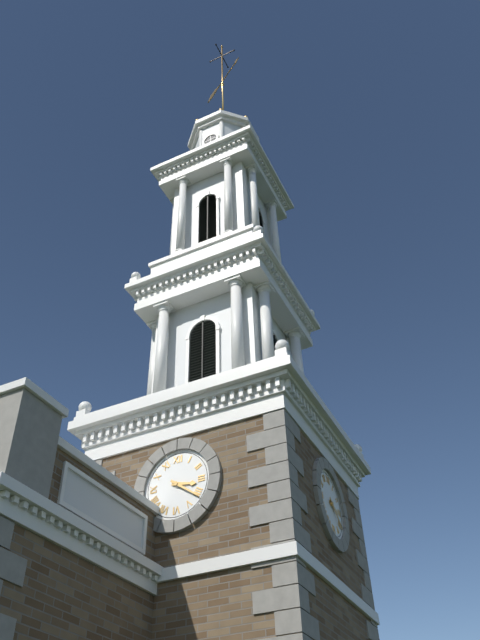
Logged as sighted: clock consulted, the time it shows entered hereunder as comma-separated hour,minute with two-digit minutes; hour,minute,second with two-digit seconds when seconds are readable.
3,21
